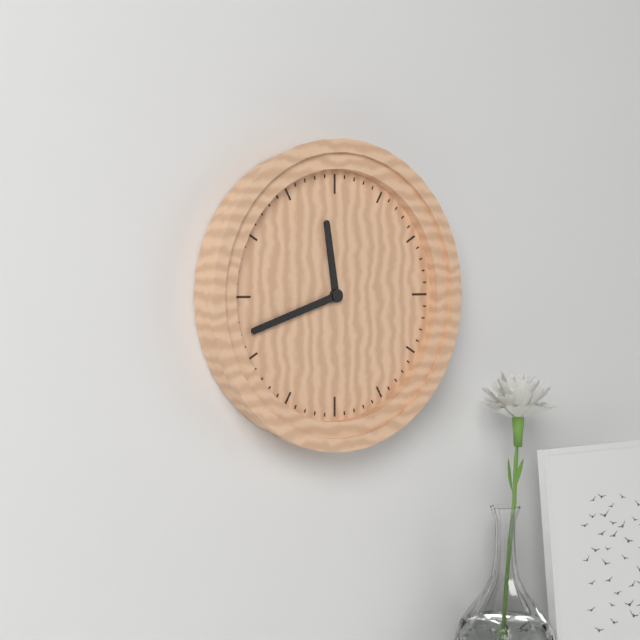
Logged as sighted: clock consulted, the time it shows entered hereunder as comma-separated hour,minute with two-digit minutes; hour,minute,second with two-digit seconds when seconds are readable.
11,42
